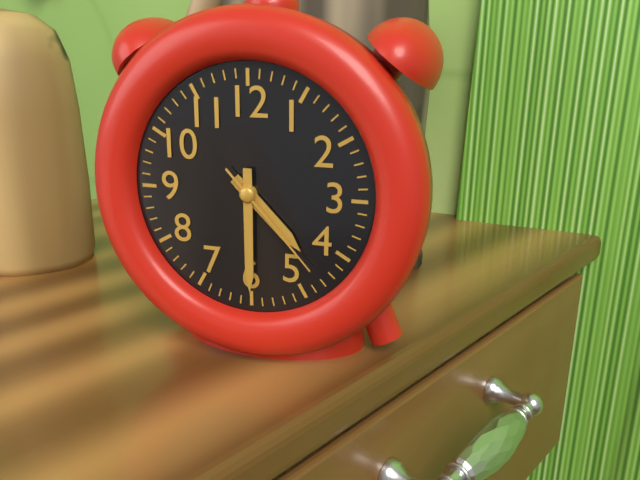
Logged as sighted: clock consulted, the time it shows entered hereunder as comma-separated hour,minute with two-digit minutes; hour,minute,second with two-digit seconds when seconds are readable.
4,30,23
